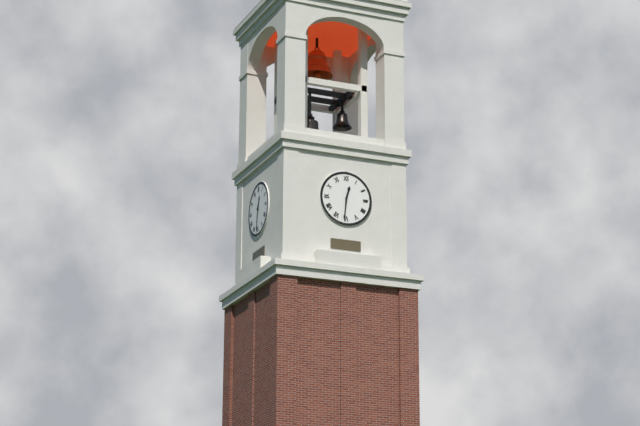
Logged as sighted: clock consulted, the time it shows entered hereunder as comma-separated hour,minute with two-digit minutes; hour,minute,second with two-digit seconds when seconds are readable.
12,31
